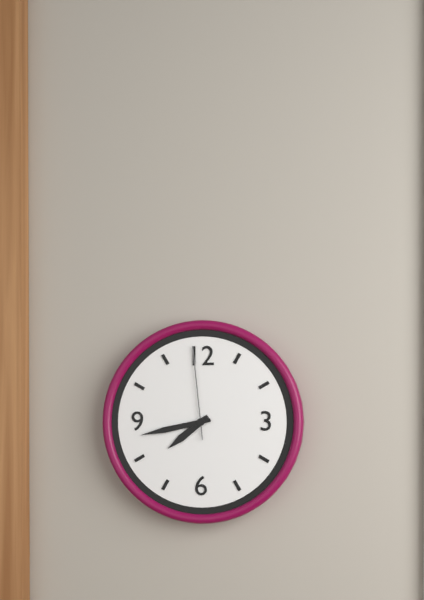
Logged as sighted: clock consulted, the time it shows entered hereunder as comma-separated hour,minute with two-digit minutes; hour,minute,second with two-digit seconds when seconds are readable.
7,43,59
